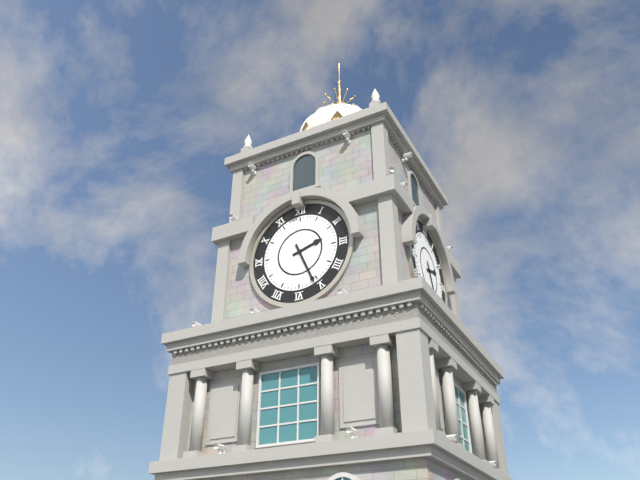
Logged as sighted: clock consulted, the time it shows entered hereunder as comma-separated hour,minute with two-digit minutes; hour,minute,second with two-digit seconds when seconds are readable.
2,26
